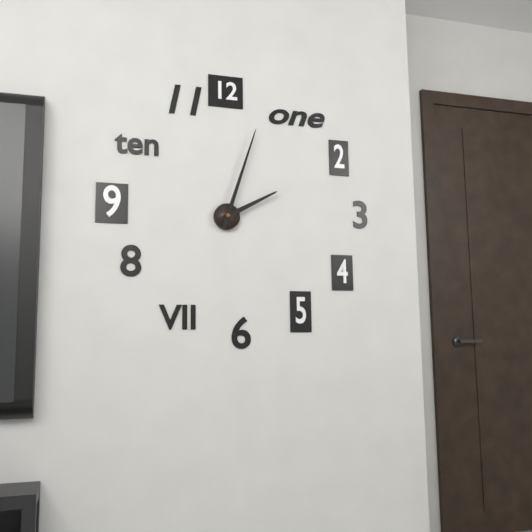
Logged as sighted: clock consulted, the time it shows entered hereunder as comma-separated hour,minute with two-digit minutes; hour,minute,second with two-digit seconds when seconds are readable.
2,03
